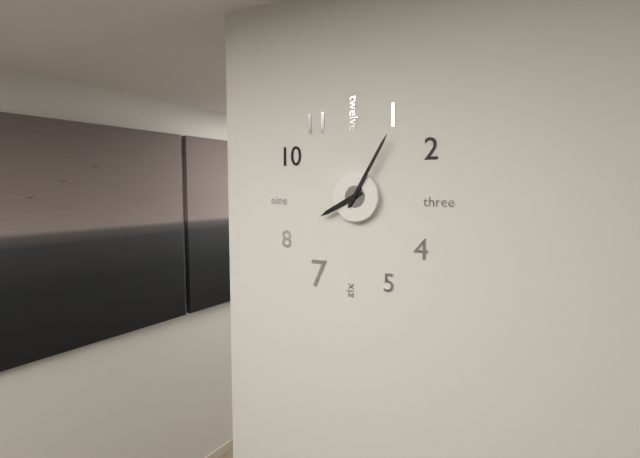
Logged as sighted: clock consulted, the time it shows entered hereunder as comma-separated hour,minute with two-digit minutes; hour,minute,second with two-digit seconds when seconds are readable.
8,05
